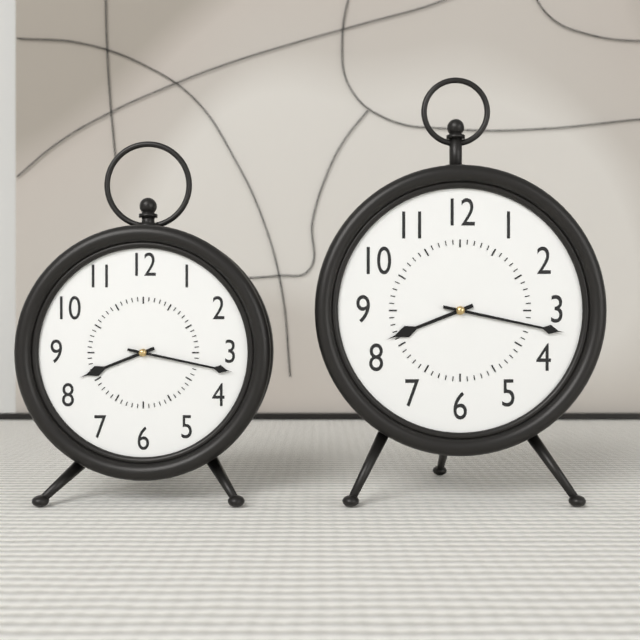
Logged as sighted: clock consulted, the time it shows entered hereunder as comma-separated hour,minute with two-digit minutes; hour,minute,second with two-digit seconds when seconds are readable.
8,17
